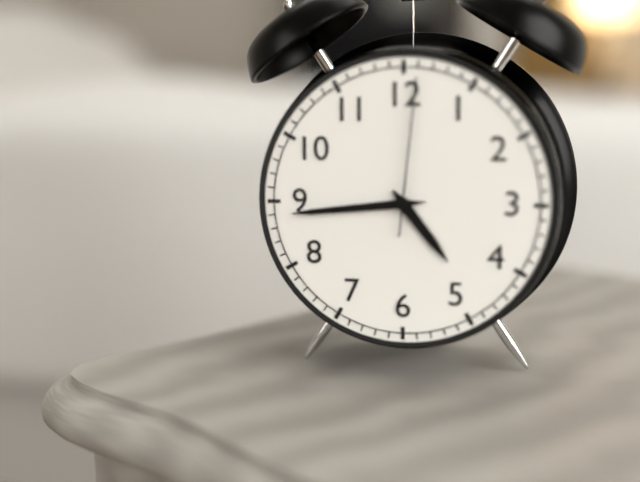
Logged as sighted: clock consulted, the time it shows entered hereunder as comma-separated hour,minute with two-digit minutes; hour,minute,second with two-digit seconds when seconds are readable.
4,44,01
